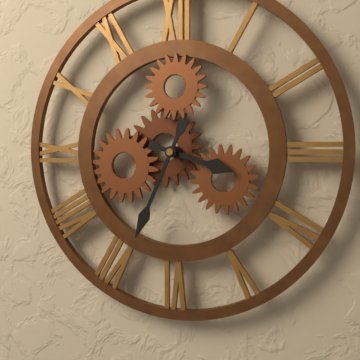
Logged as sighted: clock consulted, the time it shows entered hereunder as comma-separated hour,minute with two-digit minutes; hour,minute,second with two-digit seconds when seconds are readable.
3,34
